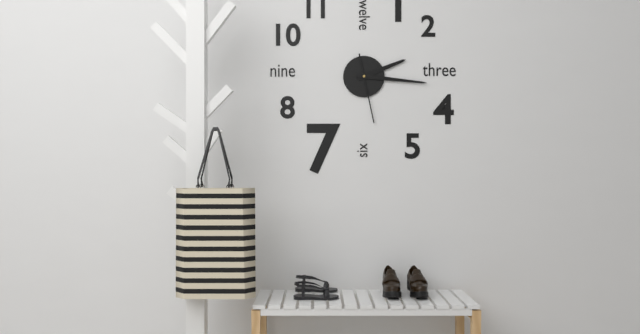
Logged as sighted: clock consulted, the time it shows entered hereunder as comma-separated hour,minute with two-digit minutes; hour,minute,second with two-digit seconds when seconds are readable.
2,16,28
